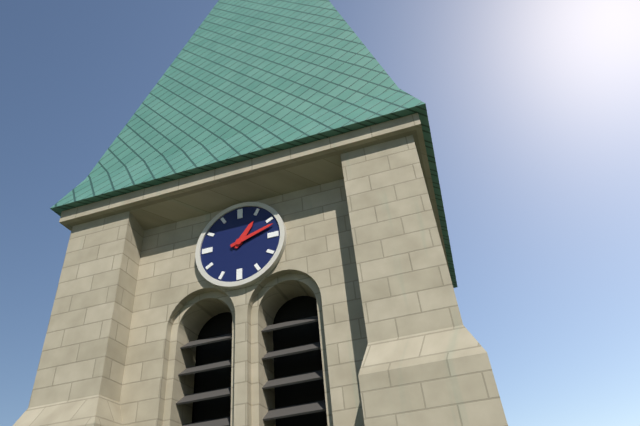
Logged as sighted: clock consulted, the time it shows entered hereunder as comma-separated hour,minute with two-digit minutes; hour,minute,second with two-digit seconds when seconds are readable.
1,12
